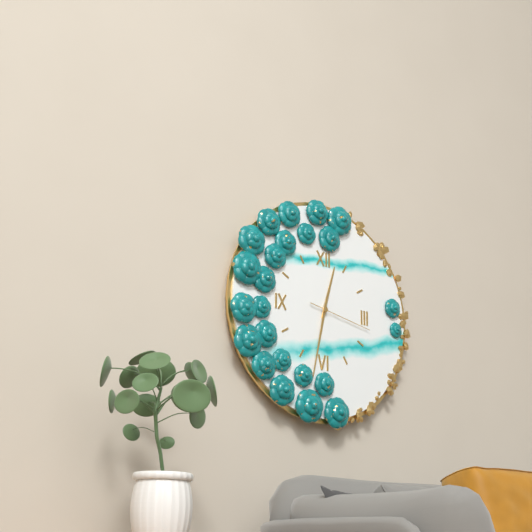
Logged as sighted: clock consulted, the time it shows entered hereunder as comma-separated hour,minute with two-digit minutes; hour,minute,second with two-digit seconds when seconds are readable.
12,32,17
